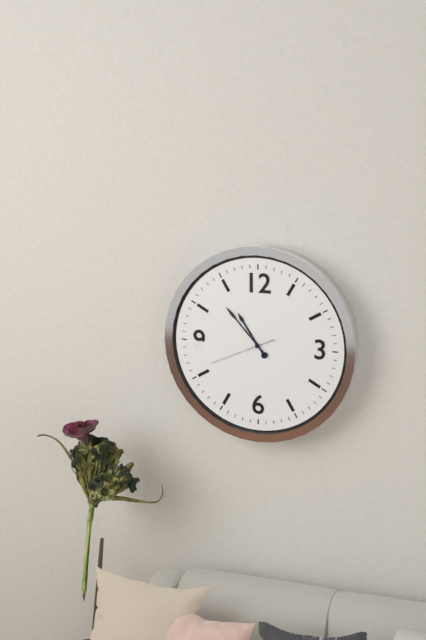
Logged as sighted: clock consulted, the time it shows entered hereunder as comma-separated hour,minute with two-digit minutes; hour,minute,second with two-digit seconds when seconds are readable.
10,53,41
